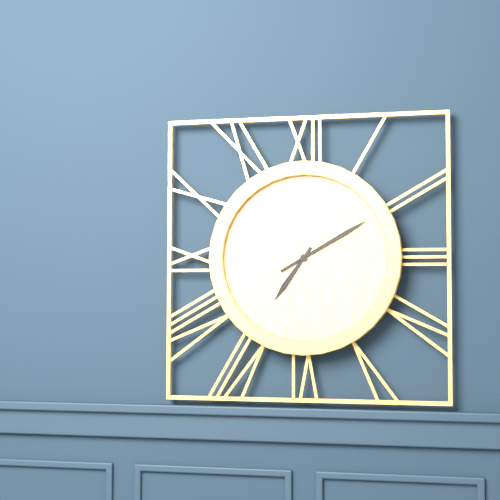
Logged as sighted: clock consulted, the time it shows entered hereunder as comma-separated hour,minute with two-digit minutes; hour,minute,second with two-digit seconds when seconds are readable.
7,10
